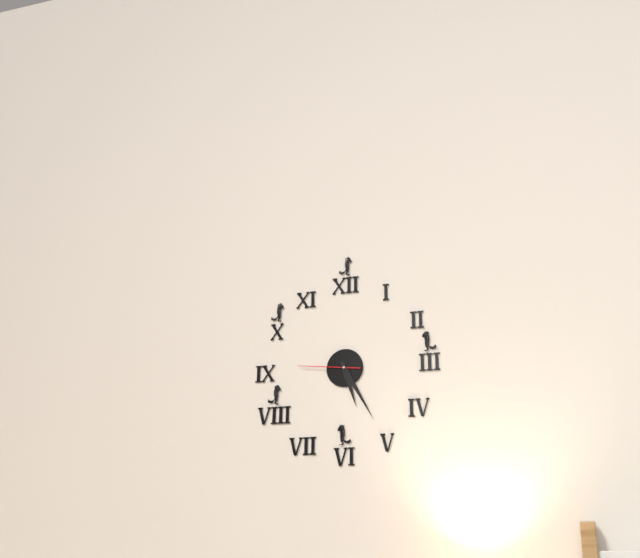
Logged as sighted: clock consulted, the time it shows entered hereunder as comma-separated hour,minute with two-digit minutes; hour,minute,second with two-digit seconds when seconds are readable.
5,25,46
